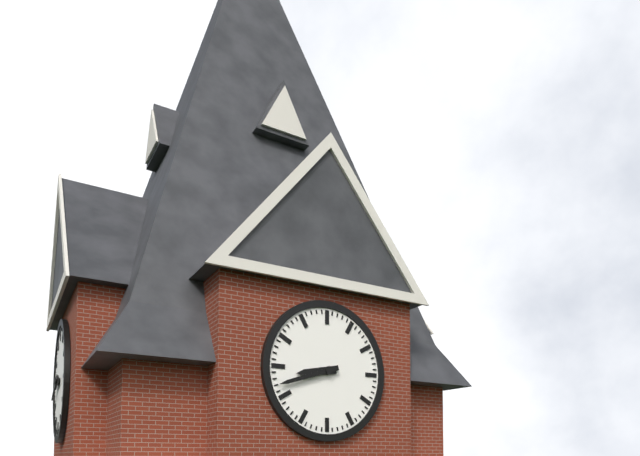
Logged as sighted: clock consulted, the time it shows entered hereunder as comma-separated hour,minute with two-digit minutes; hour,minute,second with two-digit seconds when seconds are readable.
8,42
